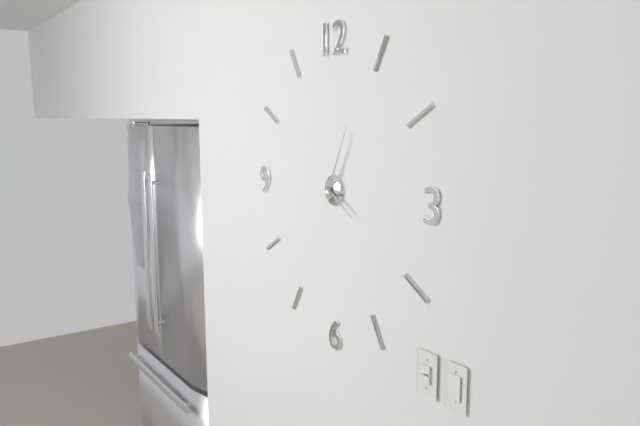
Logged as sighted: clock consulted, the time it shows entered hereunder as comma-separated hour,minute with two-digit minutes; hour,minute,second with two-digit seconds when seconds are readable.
4,04
